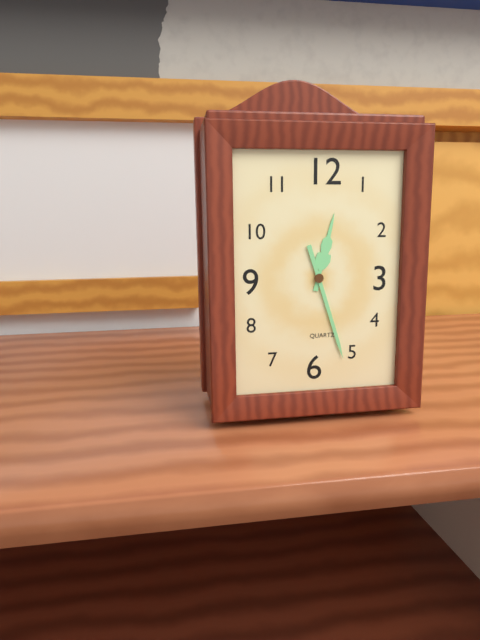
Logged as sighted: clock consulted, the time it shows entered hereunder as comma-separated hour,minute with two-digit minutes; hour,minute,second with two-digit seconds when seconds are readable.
12,27
